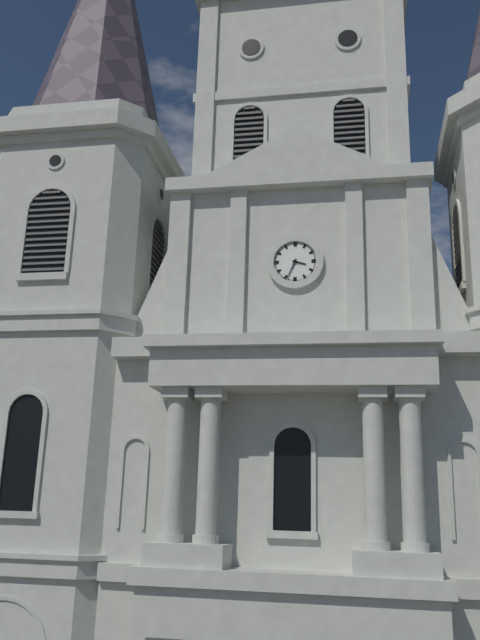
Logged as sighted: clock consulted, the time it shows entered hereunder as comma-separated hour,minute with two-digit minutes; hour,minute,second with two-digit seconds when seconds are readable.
3,34
